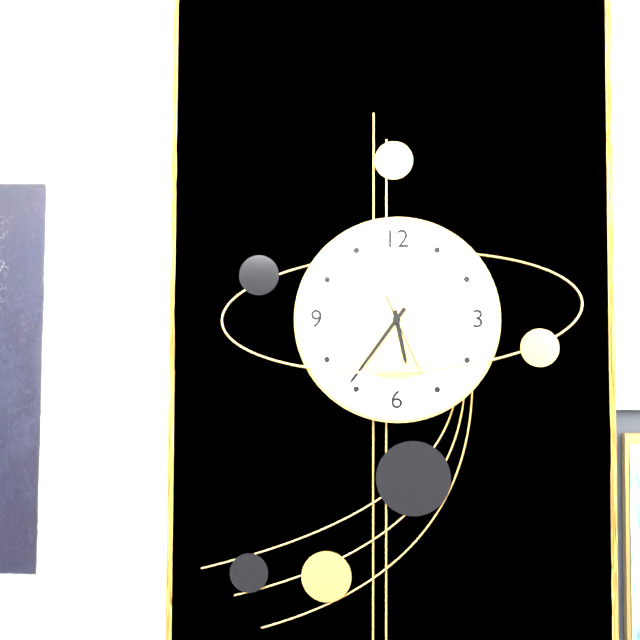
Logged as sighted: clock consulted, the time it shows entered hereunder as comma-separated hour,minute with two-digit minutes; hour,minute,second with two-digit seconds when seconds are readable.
5,36,26
